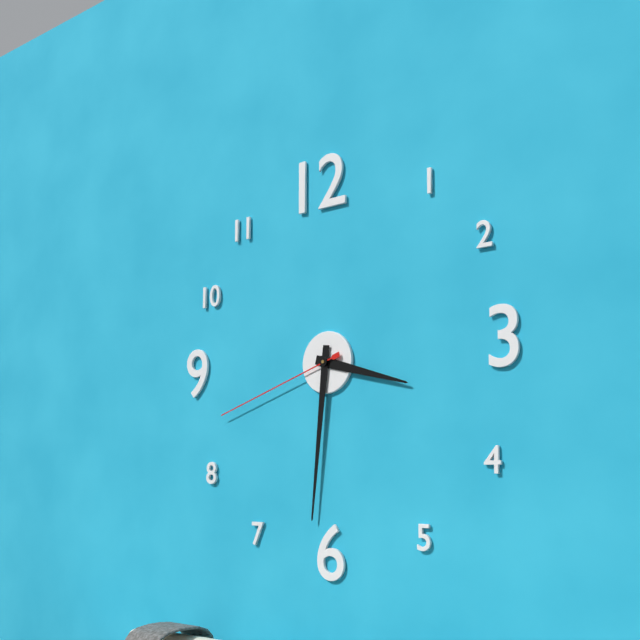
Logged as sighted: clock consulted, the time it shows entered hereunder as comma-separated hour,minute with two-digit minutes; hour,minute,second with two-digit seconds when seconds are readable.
3,31,42
